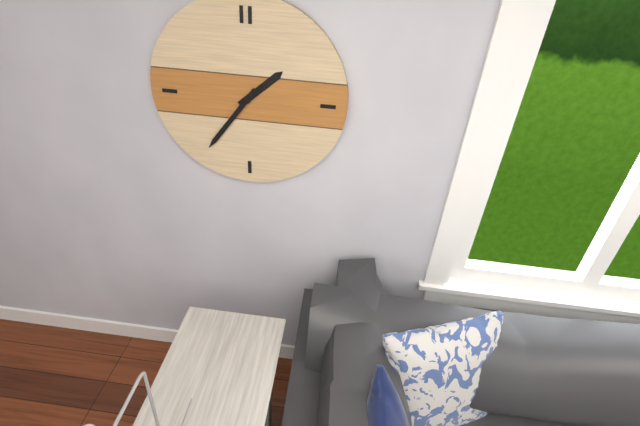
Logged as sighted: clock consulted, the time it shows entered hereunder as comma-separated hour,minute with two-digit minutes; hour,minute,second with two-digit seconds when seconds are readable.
1,36
